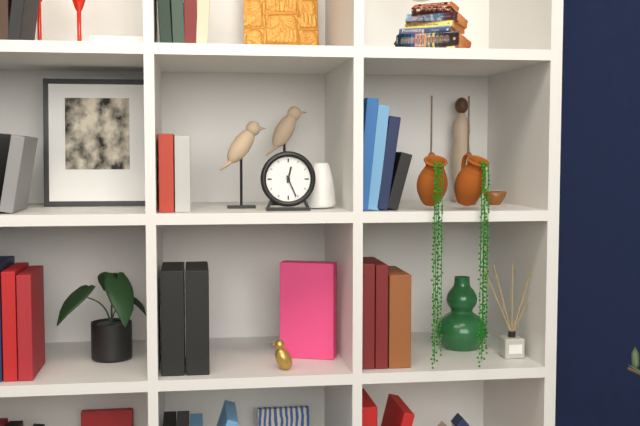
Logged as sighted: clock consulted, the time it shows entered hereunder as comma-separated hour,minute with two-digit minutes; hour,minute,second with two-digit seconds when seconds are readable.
12,26
